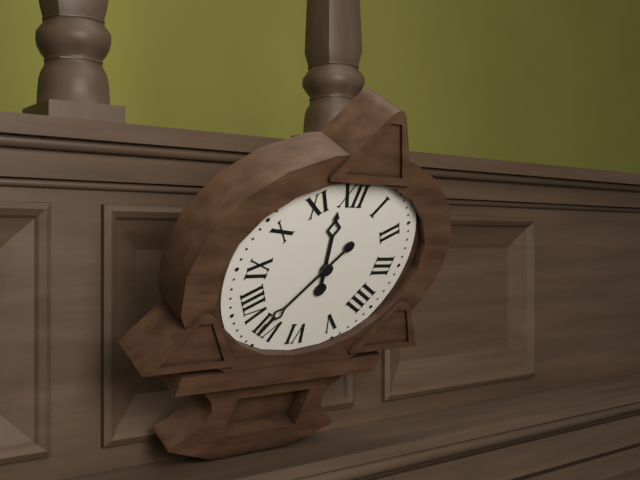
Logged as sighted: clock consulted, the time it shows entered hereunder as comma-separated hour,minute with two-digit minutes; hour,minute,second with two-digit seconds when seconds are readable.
11,36
